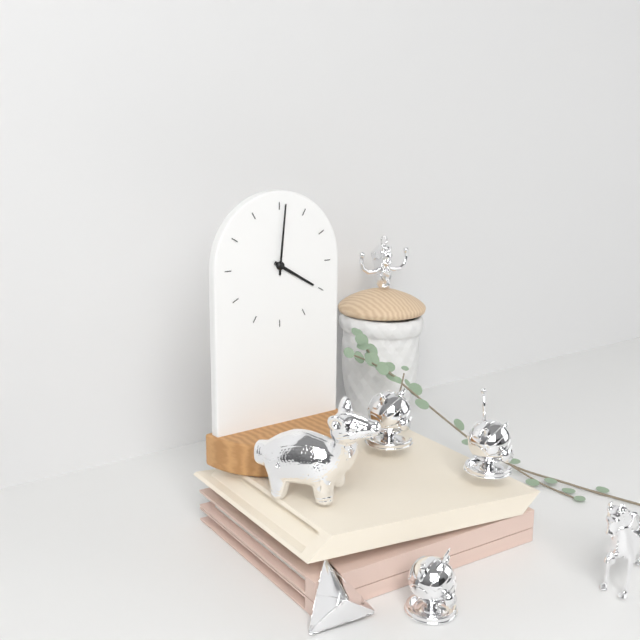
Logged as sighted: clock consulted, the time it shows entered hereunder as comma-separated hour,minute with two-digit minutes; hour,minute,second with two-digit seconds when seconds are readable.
4,01
